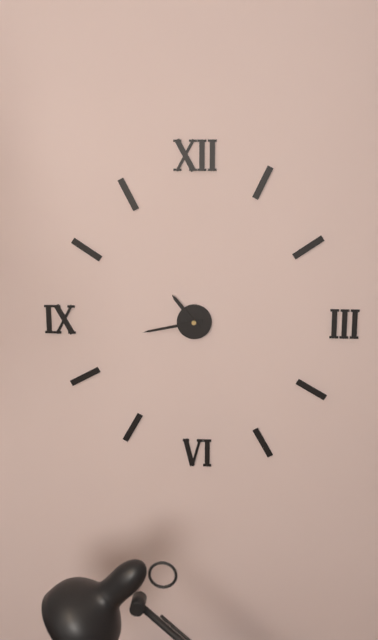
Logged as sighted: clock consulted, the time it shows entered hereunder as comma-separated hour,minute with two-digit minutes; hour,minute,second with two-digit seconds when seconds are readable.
10,43
